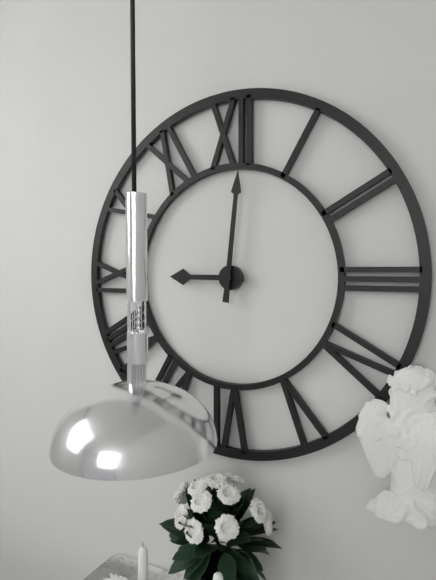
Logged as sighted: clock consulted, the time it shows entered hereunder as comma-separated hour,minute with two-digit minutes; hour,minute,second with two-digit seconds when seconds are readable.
9,01
